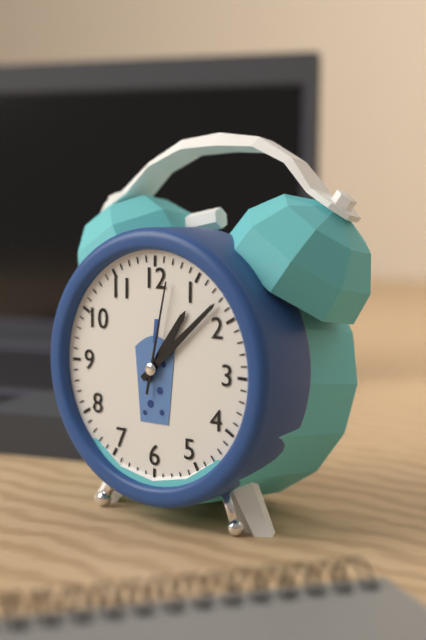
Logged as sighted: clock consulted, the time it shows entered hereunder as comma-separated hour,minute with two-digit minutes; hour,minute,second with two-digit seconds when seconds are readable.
1,08,02
